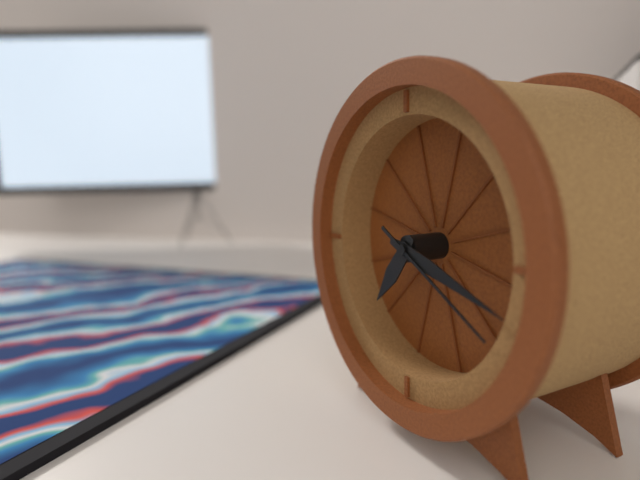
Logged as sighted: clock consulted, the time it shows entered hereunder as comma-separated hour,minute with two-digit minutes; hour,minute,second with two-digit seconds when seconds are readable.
7,18,20
